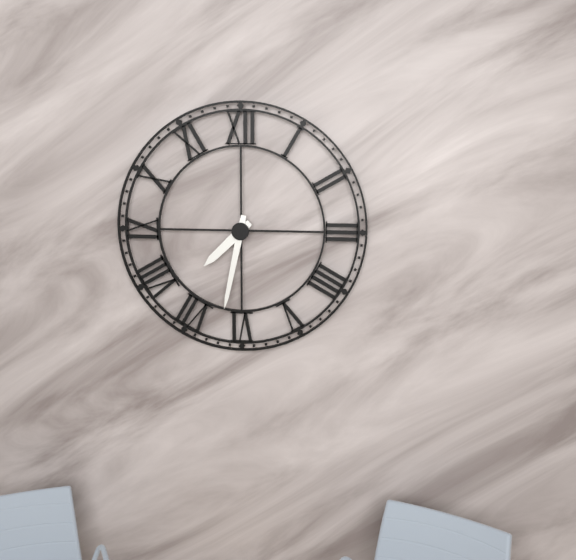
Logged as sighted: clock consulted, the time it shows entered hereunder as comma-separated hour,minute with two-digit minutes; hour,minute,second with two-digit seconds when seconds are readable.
7,32
